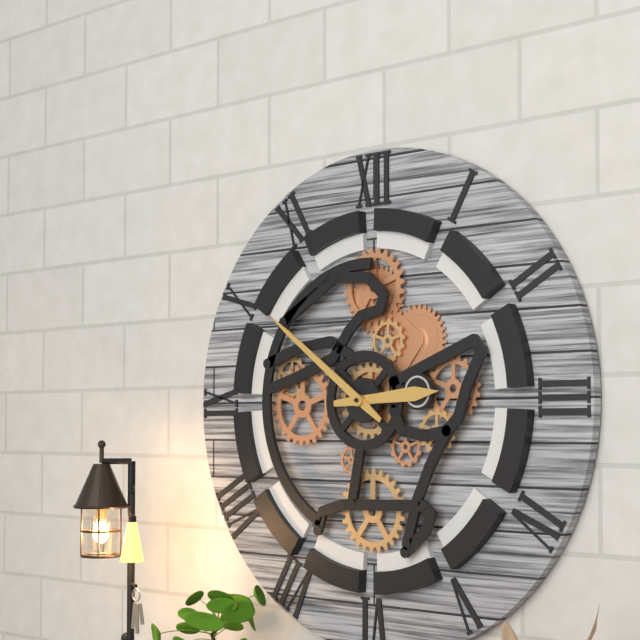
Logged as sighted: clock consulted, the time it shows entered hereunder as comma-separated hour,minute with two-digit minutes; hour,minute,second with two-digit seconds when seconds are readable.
2,51
